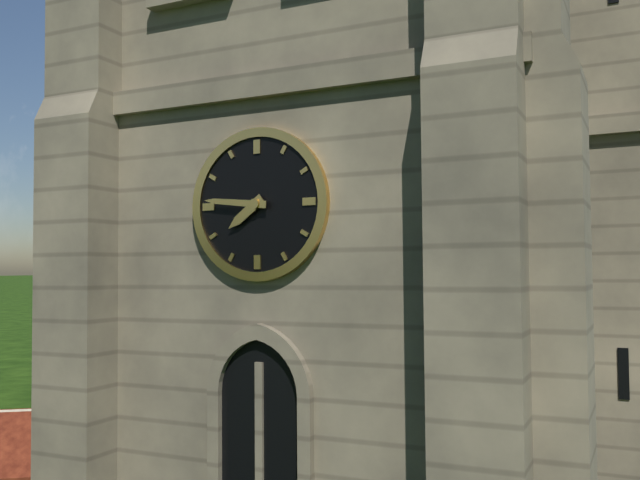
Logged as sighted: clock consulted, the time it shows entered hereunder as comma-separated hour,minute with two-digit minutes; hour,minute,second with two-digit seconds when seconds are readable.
7,46
